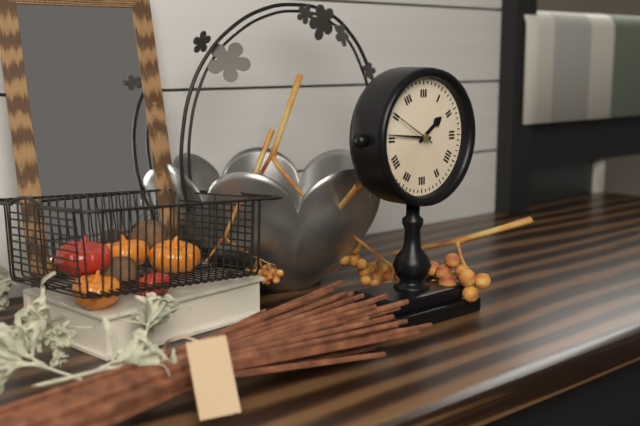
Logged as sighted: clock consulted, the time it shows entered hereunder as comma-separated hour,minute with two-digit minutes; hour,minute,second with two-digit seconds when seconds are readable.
1,46
